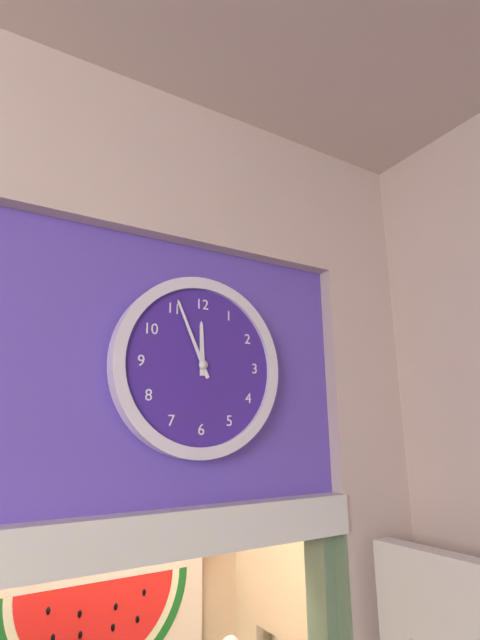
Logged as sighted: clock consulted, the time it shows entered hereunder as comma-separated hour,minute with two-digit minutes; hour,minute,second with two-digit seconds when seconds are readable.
11,56
